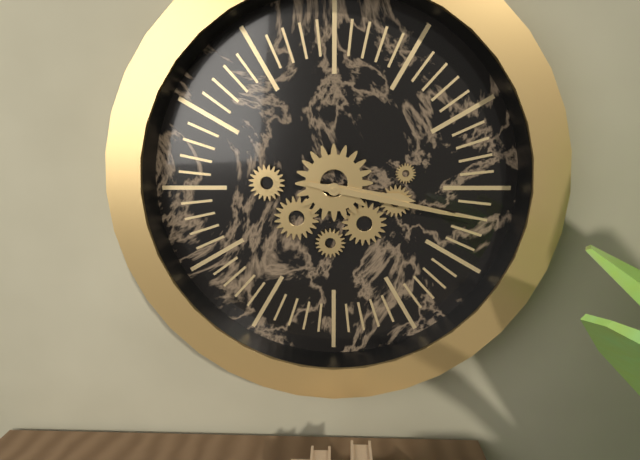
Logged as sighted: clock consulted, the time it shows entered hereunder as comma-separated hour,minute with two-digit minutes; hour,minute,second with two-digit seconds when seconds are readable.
3,17
